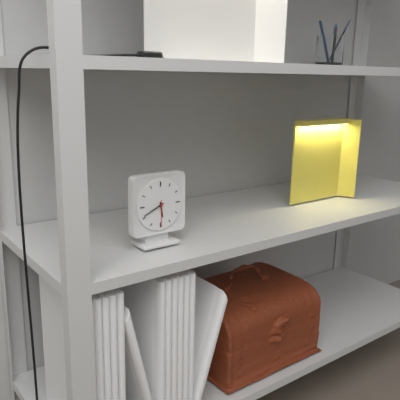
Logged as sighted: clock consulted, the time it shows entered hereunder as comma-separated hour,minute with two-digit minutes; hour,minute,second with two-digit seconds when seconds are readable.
5,41
